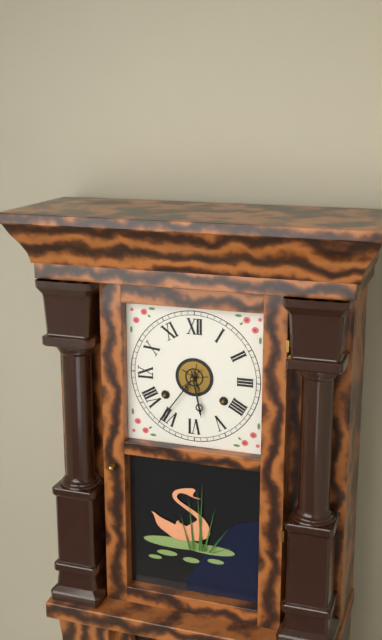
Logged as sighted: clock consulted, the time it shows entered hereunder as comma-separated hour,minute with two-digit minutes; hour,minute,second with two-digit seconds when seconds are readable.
5,36
